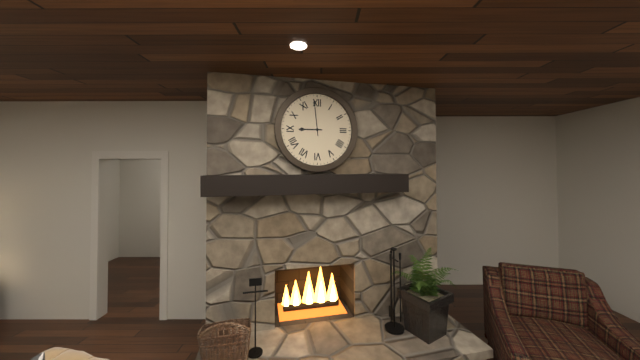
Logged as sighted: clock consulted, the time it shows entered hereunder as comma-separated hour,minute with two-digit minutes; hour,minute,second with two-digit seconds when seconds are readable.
8,59
